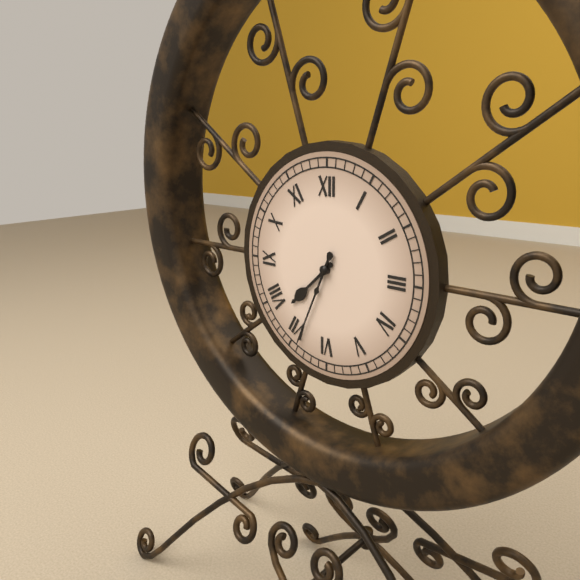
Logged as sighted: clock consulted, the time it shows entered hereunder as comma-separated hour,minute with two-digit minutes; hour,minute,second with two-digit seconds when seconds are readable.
7,34
